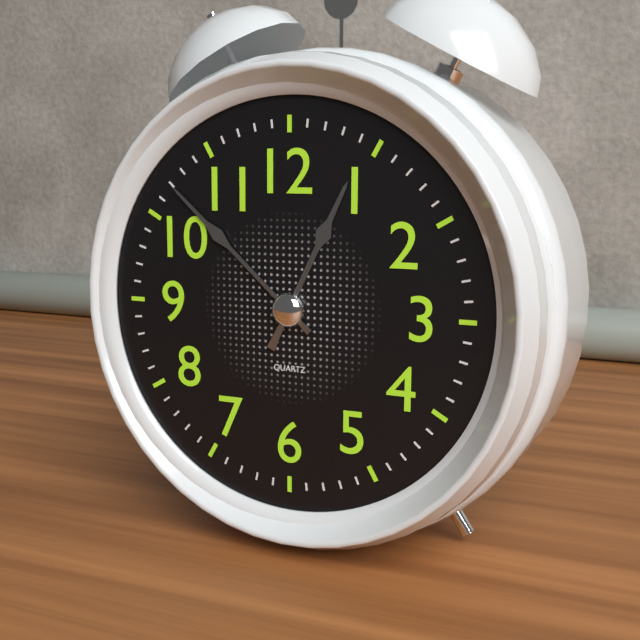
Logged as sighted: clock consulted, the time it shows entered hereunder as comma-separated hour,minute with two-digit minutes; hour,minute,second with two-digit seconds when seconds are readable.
12,52
